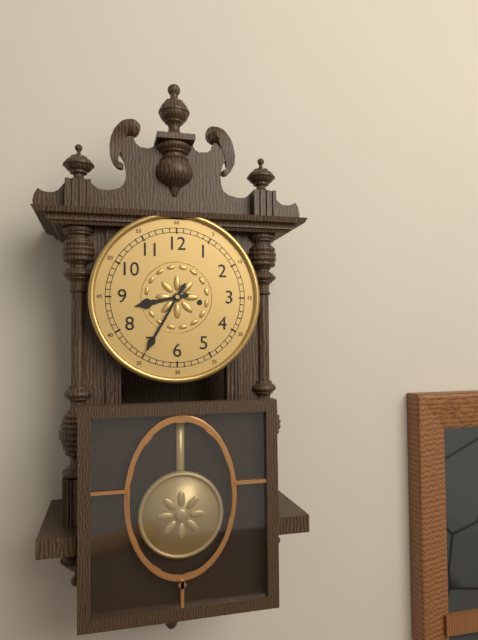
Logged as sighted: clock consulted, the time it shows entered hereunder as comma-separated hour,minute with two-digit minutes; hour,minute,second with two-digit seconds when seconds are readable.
8,35
